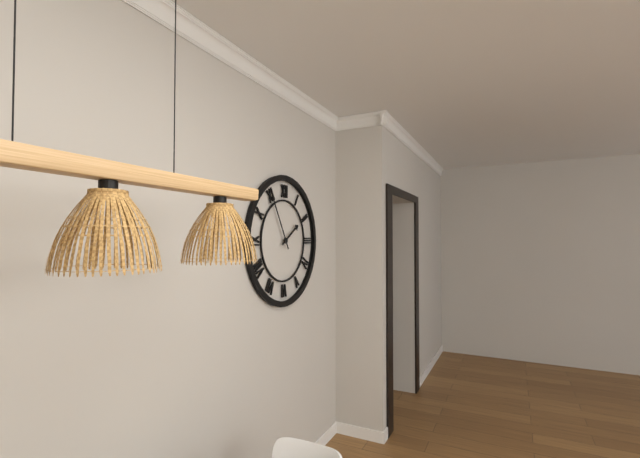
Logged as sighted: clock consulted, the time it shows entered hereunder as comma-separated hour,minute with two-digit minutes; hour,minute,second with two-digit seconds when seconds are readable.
1,55
